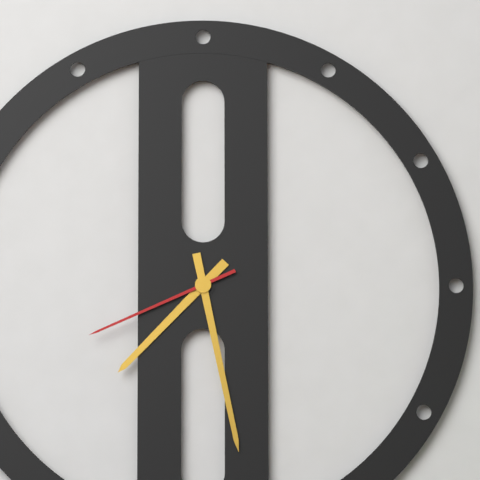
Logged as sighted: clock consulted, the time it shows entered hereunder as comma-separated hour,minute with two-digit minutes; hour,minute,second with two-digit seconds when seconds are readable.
7,28,41
